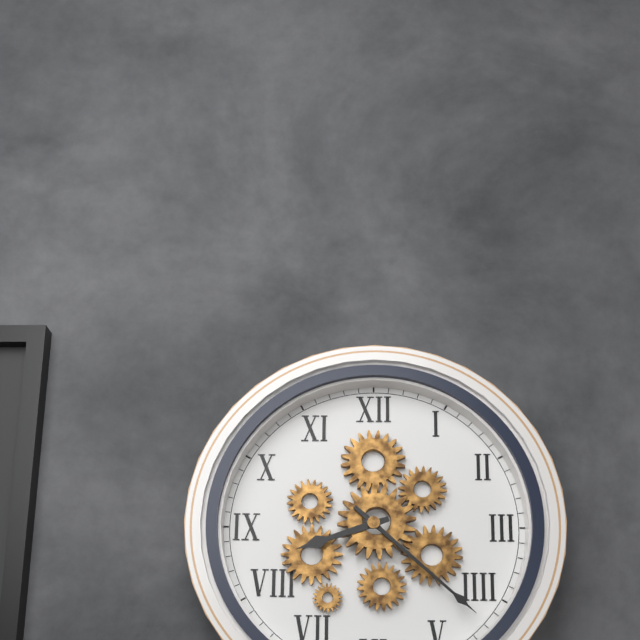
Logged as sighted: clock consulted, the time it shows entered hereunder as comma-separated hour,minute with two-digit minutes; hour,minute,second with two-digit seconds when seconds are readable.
8,22
